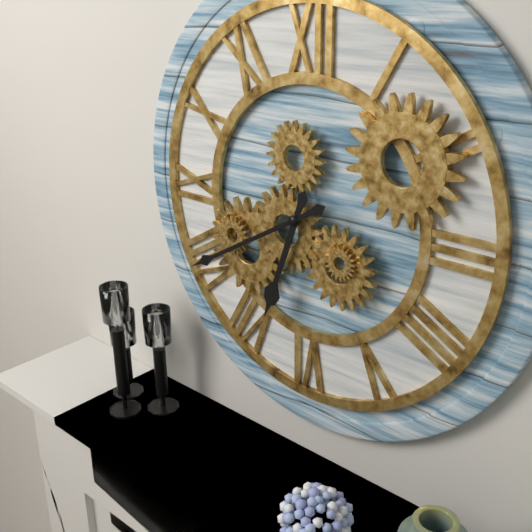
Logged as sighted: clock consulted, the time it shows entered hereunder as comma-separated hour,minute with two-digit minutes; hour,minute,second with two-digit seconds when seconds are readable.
6,40
